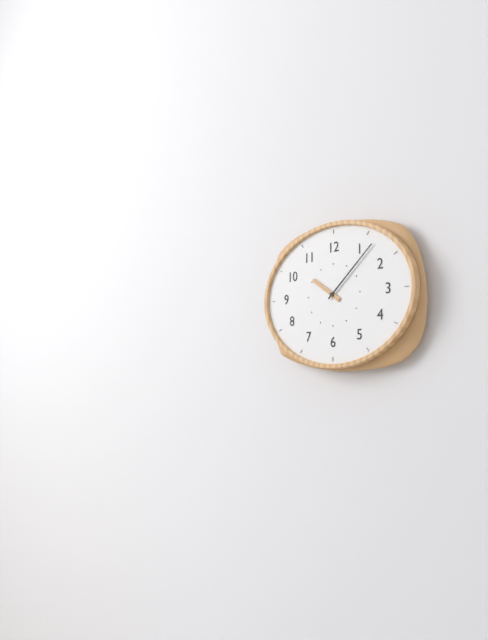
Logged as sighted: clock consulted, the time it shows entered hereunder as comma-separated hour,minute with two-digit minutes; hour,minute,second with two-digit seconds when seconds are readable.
10,08
